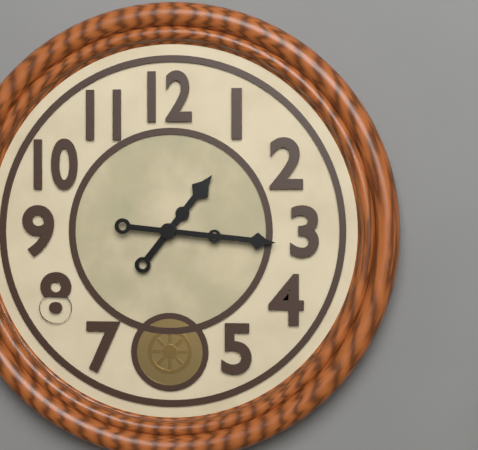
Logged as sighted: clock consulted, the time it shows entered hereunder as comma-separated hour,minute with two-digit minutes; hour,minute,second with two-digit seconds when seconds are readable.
1,16
